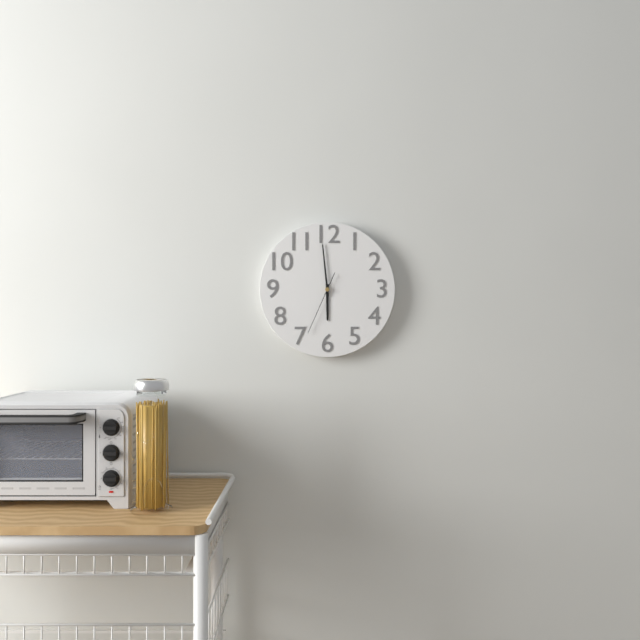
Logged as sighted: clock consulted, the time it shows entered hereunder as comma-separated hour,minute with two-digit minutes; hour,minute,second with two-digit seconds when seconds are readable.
5,59,34
